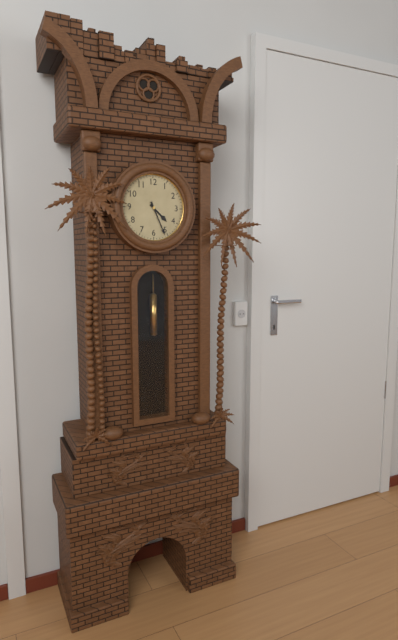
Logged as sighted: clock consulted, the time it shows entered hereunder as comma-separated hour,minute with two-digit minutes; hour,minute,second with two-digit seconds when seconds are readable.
4,26
